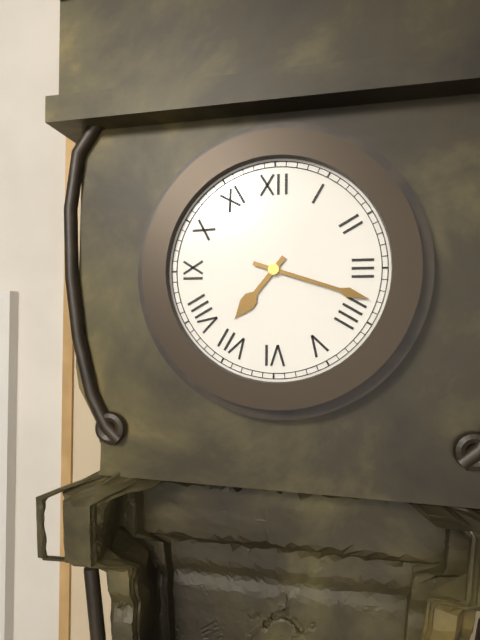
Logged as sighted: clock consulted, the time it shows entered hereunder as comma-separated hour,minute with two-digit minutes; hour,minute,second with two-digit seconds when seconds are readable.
7,18
